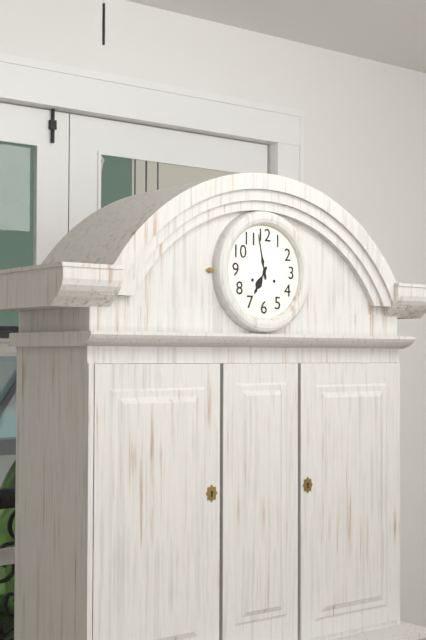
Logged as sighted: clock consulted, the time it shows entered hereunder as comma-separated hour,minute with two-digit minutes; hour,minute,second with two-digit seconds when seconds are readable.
6,58
